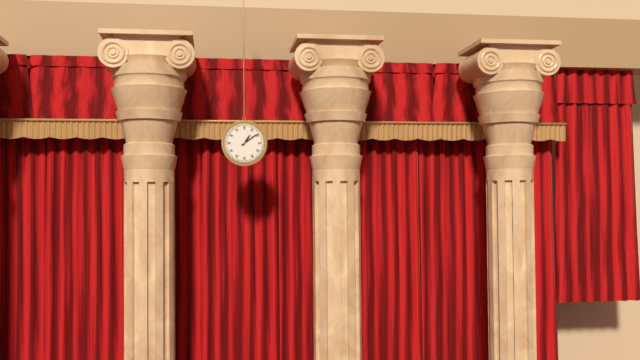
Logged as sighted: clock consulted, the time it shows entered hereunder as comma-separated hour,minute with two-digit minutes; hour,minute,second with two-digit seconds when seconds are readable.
1,09
